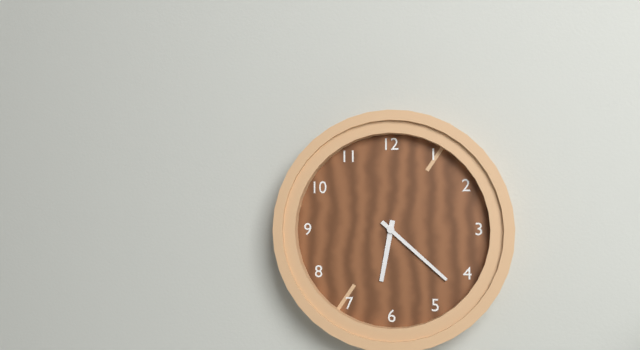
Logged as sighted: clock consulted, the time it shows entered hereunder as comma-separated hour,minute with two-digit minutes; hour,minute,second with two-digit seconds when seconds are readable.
6,22
